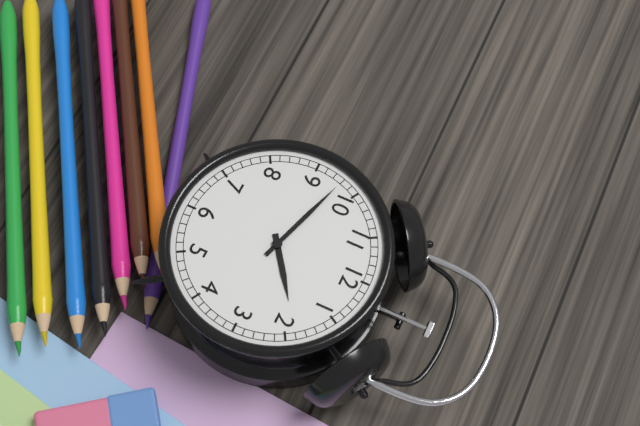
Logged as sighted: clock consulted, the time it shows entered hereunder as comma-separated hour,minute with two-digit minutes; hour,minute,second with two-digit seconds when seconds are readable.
1,48
